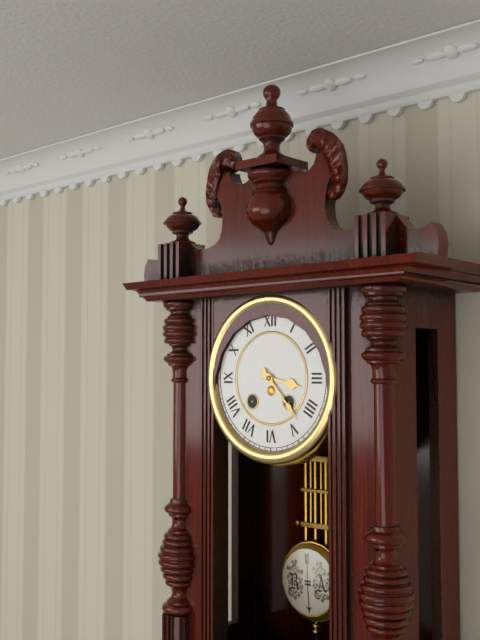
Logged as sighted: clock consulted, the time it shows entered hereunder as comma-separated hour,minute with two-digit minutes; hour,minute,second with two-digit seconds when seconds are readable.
3,23
